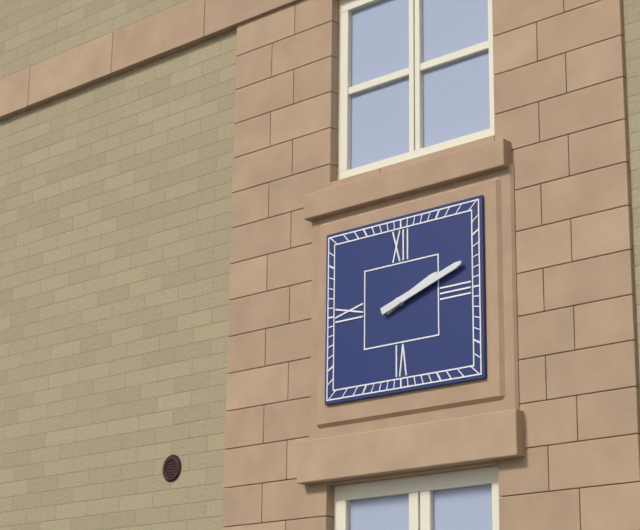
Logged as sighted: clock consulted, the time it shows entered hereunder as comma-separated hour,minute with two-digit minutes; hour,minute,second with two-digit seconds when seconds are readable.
2,12
